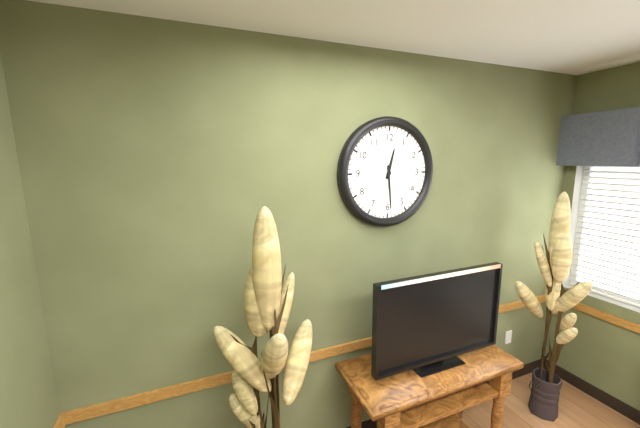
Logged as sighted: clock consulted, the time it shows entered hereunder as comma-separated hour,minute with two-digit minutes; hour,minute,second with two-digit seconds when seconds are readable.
12,29
